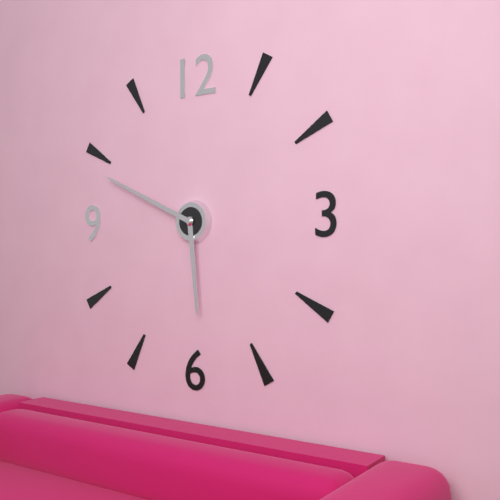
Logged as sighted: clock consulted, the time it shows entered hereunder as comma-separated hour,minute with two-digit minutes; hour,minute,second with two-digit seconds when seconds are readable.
5,49
